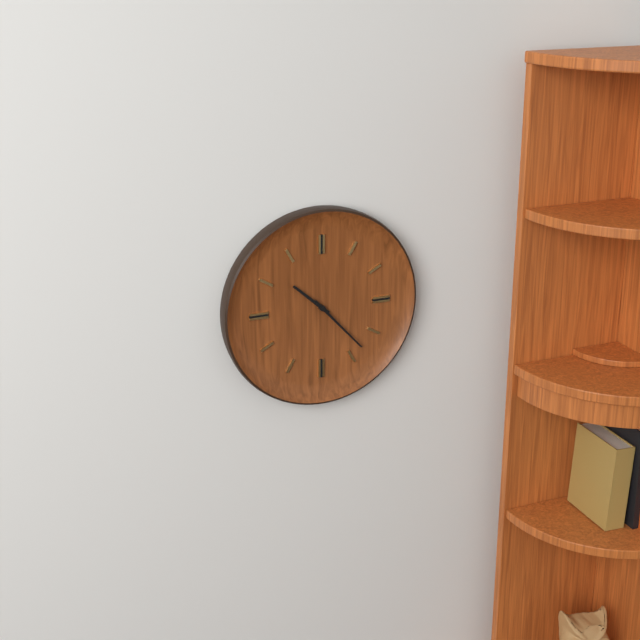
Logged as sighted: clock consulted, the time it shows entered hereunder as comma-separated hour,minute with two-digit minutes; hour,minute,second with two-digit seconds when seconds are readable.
10,23
